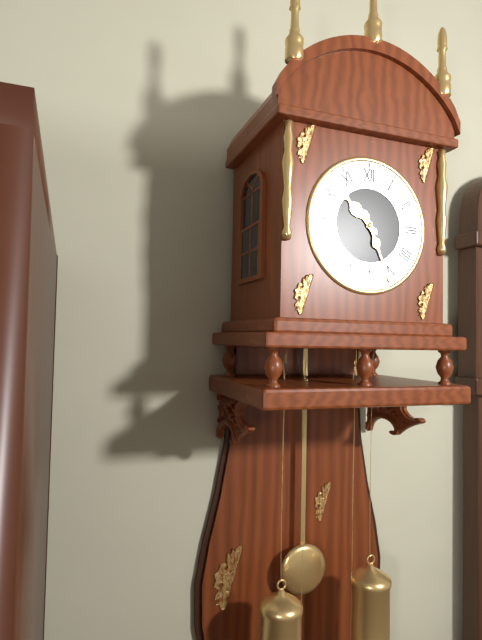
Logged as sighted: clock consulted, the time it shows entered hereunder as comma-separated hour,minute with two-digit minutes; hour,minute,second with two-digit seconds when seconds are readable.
10,26
